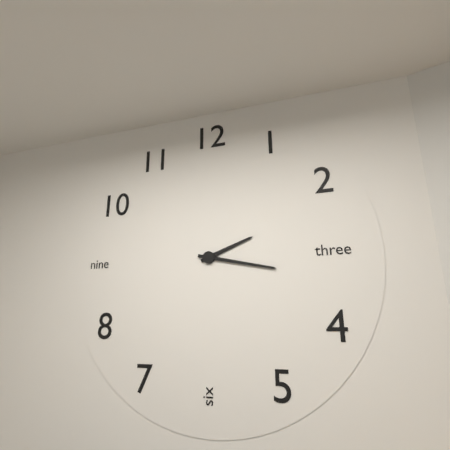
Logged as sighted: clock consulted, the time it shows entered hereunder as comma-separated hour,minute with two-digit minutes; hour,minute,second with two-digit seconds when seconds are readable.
2,17
